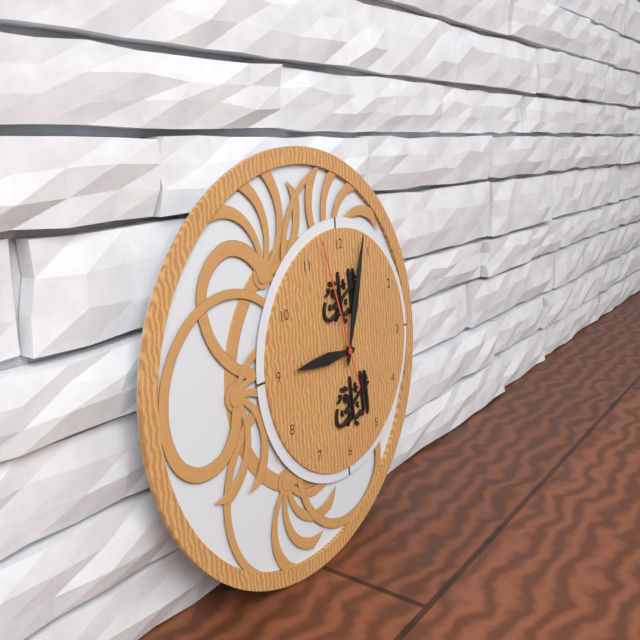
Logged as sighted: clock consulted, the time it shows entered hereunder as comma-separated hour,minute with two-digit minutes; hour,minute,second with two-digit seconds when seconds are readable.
9,03,57
